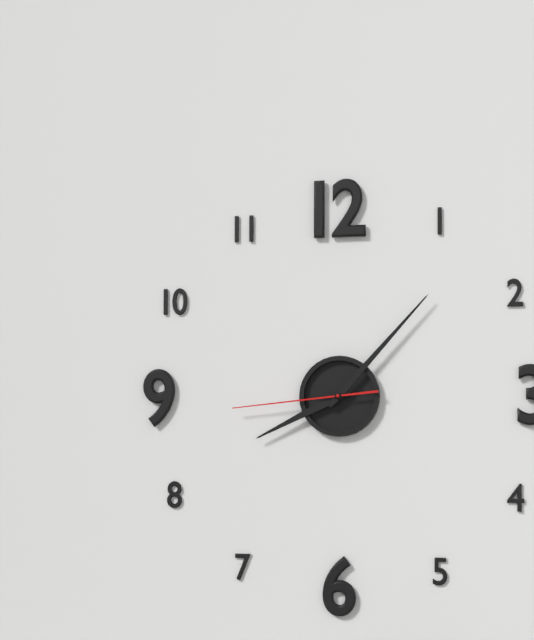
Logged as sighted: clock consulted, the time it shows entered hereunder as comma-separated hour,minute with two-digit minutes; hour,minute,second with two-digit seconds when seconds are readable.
8,07,44
